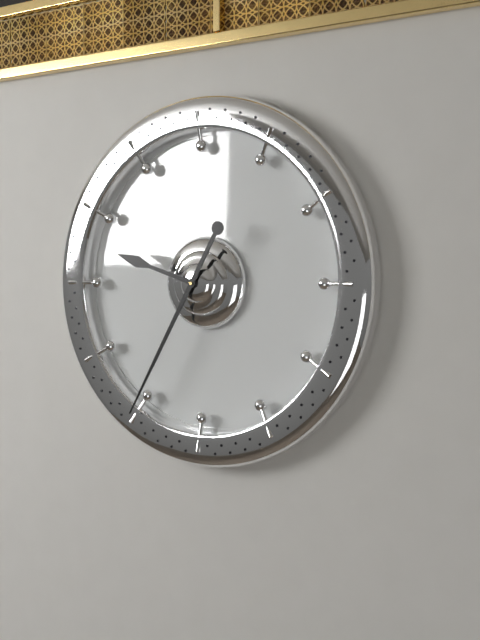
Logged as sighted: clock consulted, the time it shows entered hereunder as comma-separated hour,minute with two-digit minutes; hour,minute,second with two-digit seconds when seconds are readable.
9,35
